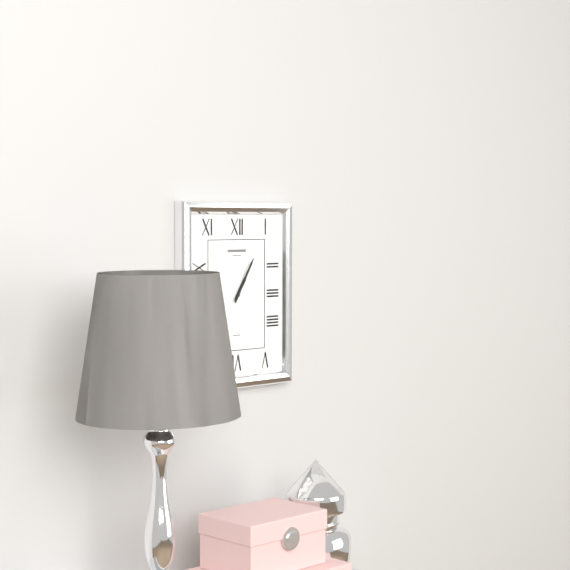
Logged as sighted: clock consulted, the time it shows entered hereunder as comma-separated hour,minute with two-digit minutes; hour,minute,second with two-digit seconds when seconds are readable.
1,05
